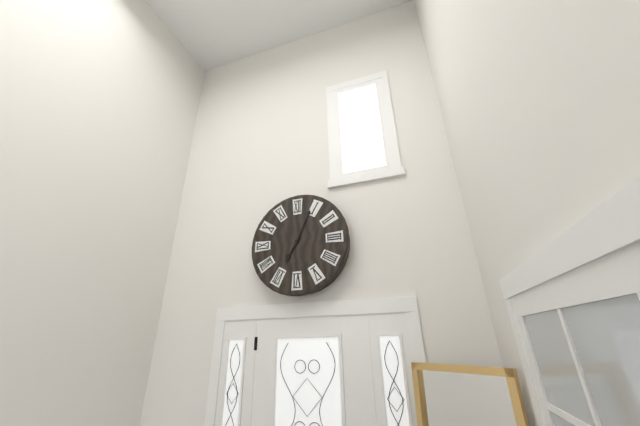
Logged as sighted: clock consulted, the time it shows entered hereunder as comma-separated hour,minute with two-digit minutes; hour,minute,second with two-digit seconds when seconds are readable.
7,04
